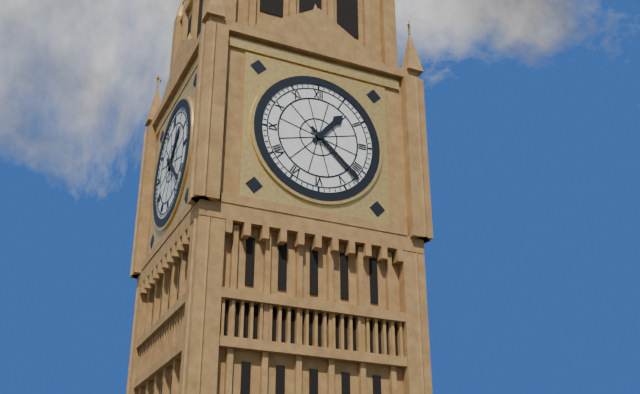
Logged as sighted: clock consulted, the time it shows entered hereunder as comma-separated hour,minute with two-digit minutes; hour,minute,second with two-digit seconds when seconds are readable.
1,22
